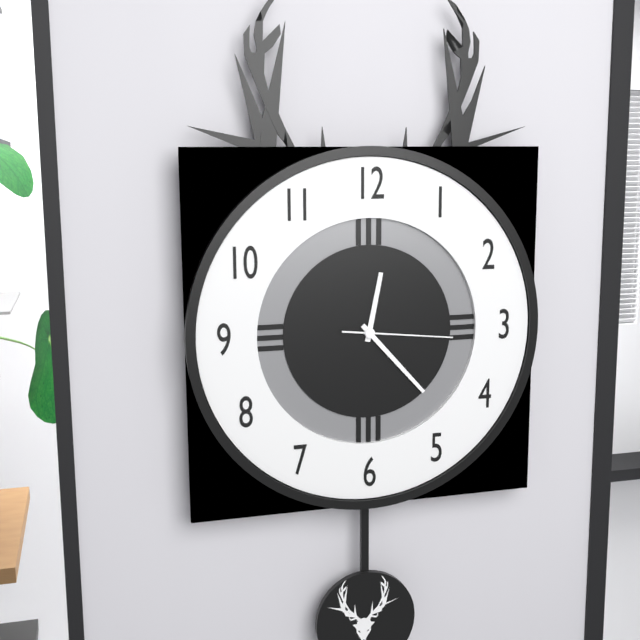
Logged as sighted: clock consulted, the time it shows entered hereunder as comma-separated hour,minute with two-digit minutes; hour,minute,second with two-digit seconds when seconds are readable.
12,23,16
